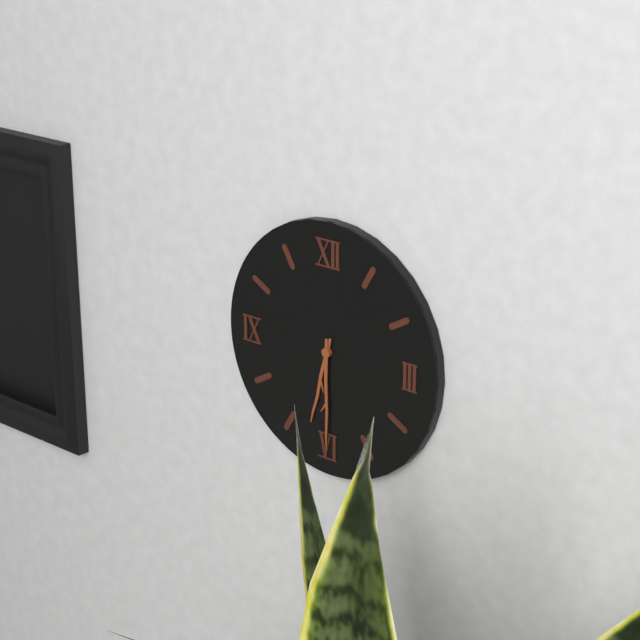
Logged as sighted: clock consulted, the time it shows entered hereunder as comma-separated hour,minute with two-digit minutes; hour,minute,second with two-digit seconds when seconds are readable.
6,30
